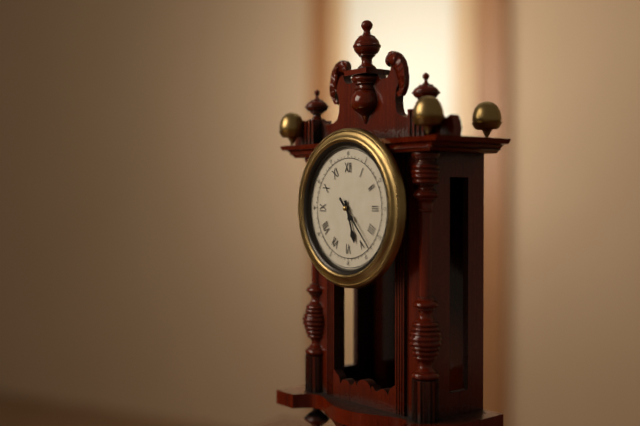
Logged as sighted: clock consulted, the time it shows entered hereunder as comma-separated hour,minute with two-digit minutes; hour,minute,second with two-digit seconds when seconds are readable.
5,23
